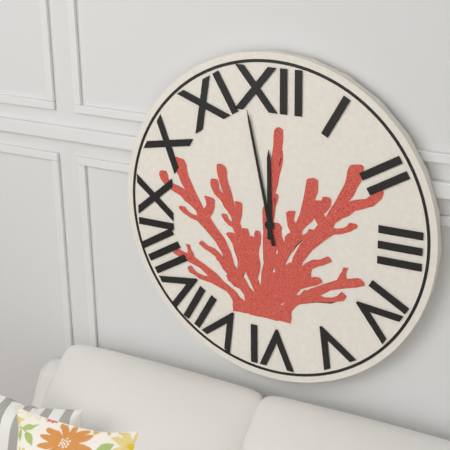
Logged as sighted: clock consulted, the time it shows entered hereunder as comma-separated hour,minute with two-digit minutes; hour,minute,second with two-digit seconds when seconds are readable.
11,58
